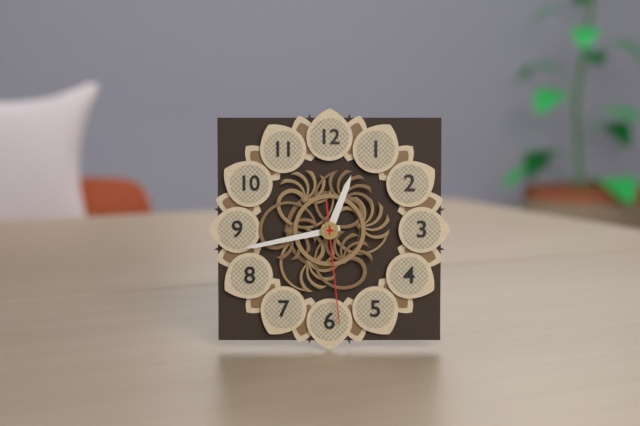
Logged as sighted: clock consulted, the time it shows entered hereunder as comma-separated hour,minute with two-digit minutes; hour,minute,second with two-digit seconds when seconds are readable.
12,43,29
